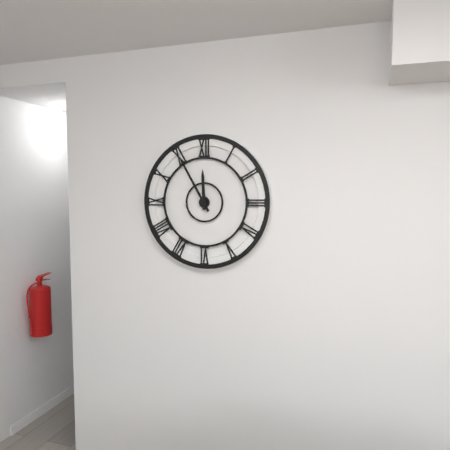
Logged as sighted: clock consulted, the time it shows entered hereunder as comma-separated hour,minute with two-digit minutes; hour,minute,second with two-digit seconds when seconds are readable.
11,55
